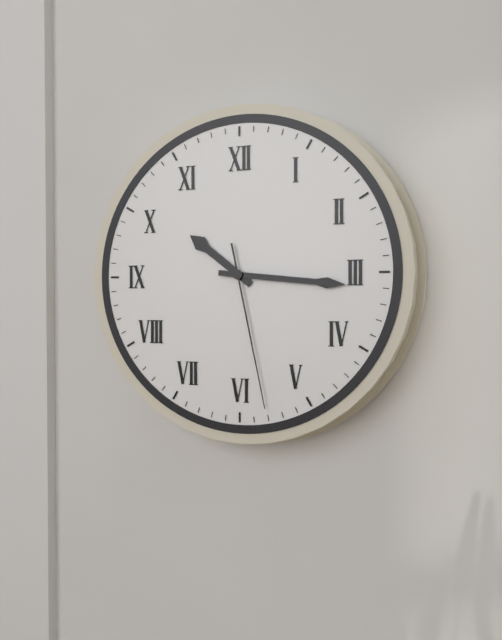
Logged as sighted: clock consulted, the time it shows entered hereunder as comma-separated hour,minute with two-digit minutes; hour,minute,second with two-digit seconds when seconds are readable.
10,16,28
